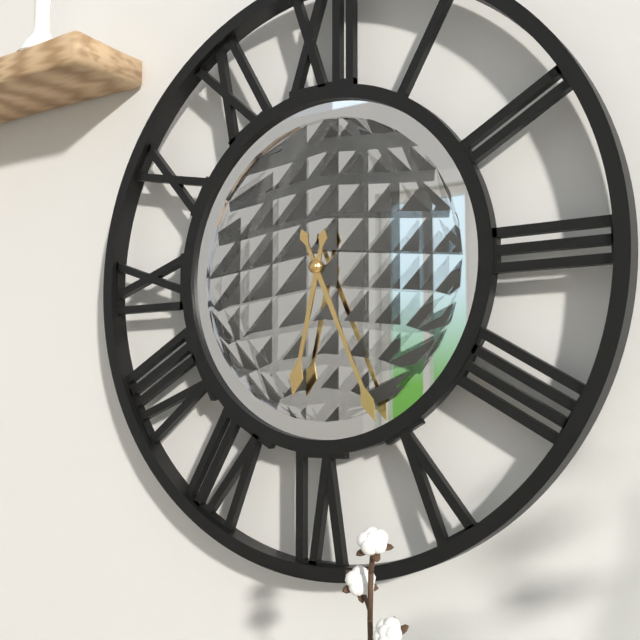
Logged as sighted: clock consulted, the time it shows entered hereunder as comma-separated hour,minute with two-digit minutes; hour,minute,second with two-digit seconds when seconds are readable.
6,26
